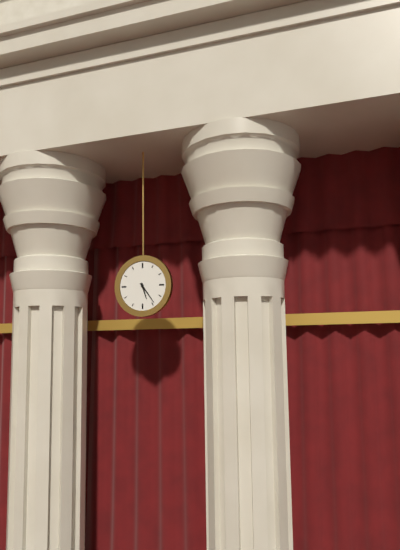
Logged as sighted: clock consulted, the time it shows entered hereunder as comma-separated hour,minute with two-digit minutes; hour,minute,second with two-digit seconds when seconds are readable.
5,24
